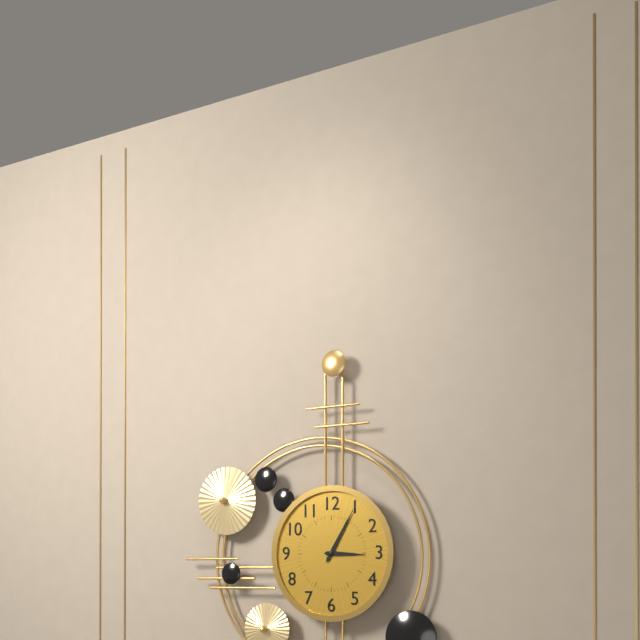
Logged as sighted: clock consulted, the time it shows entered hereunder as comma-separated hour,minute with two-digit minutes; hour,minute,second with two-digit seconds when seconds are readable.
3,05
